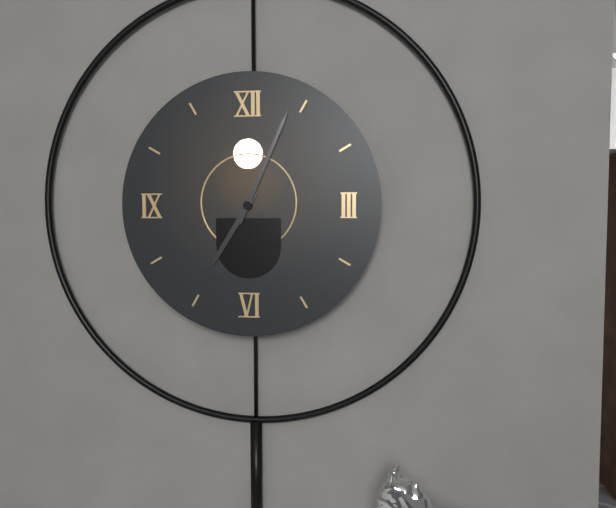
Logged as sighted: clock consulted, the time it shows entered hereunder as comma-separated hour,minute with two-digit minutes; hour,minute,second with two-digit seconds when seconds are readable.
7,04
